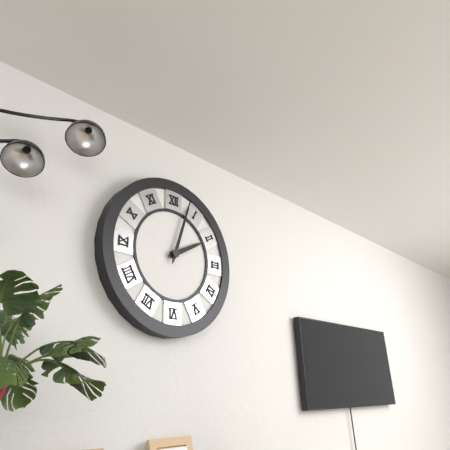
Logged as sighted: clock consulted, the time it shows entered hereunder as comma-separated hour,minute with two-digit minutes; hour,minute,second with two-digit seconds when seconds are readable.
2,03
